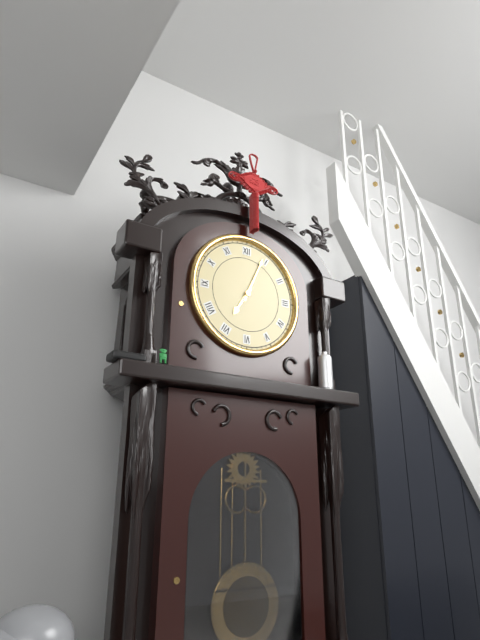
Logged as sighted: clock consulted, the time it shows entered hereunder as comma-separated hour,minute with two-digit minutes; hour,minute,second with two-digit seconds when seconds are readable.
7,04
